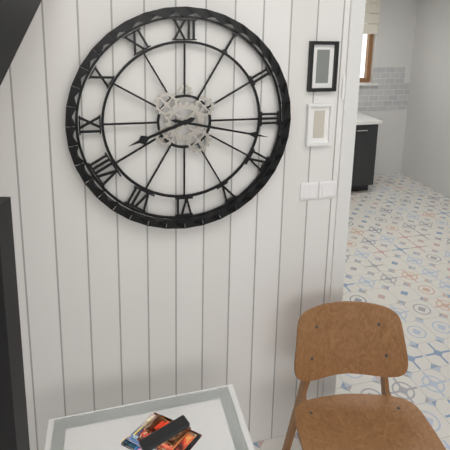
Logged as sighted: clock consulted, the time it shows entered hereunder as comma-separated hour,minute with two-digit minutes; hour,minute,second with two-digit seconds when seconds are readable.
8,17
